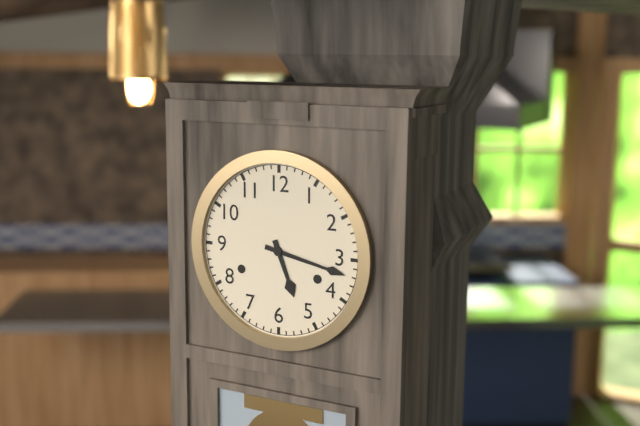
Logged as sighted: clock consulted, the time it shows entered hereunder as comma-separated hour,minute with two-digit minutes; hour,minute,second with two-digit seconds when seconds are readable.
5,17
